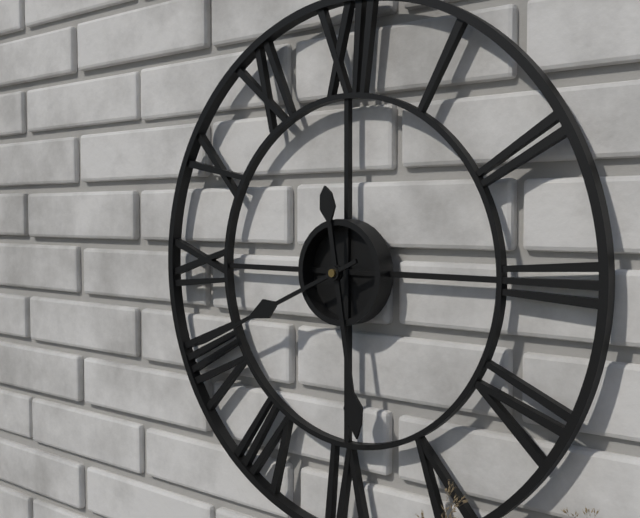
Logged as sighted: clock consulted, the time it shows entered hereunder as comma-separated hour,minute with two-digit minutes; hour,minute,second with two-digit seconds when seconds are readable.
5,41
